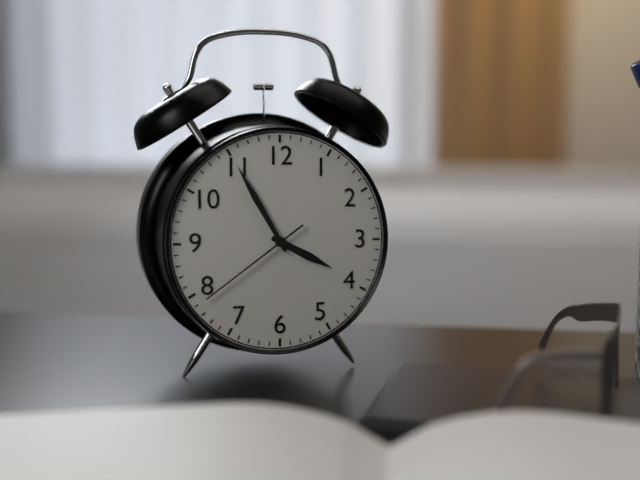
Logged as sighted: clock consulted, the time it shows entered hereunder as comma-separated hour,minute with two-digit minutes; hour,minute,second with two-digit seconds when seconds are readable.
3,55,39
